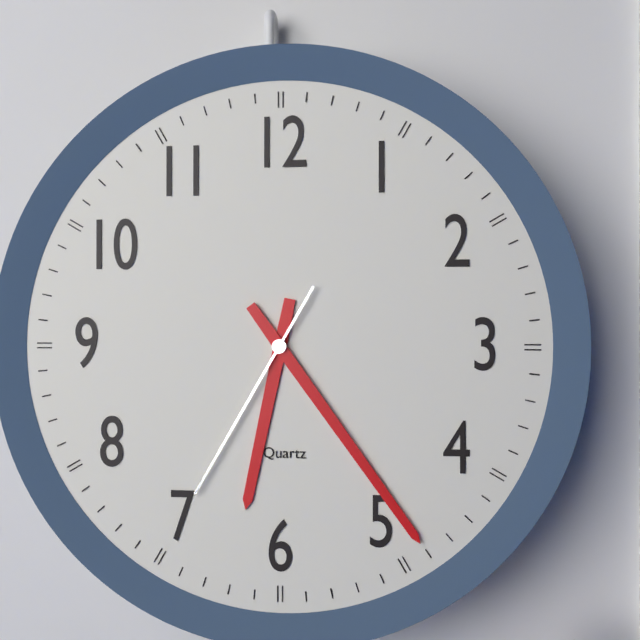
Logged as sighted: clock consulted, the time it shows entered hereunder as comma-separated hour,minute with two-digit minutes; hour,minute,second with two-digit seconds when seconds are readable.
6,24,35
